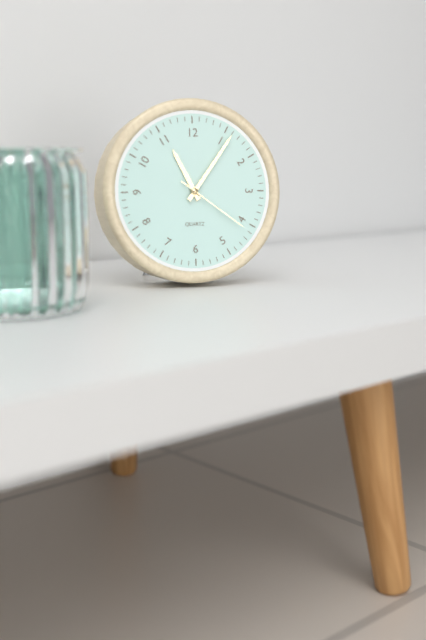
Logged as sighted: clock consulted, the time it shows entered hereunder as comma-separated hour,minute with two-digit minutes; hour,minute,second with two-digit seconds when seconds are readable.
11,06,21
